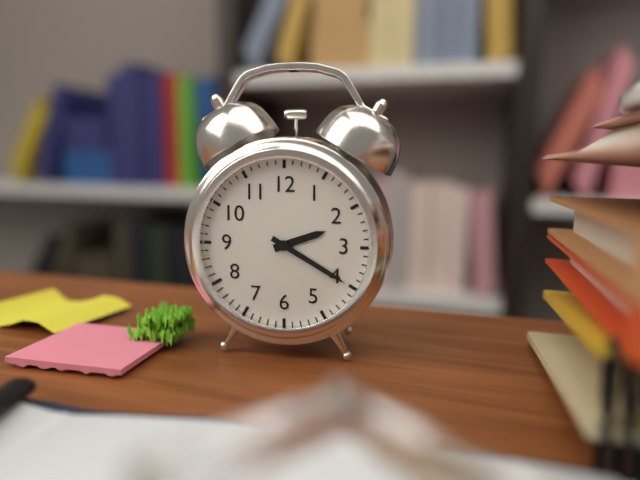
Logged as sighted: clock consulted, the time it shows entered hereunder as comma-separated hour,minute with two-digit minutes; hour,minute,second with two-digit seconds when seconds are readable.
2,20
